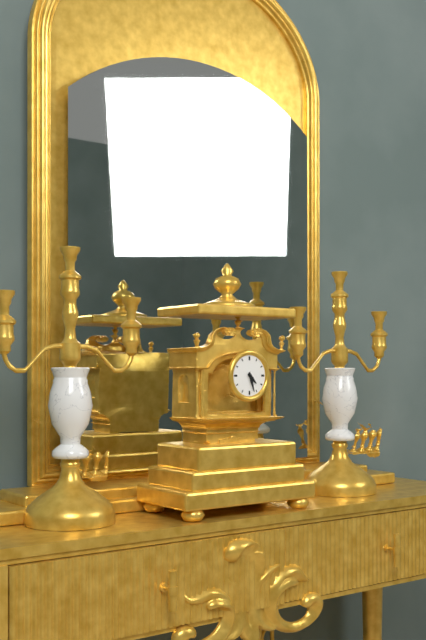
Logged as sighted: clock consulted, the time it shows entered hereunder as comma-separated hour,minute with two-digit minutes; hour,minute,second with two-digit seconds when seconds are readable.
4,27
